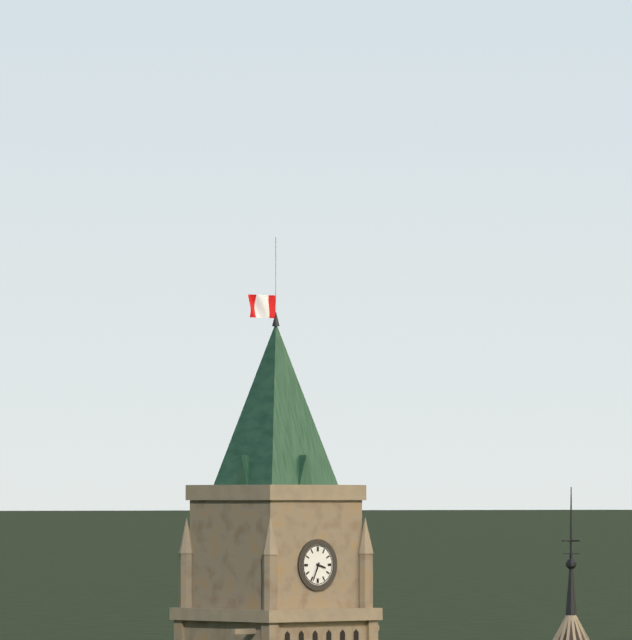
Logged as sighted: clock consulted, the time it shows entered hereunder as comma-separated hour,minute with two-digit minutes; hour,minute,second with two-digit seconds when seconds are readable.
3,34
